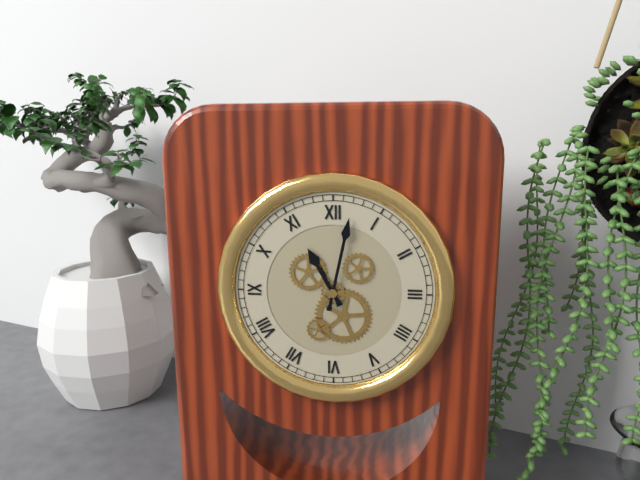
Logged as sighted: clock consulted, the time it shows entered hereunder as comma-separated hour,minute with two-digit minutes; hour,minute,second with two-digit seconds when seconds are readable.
11,02
